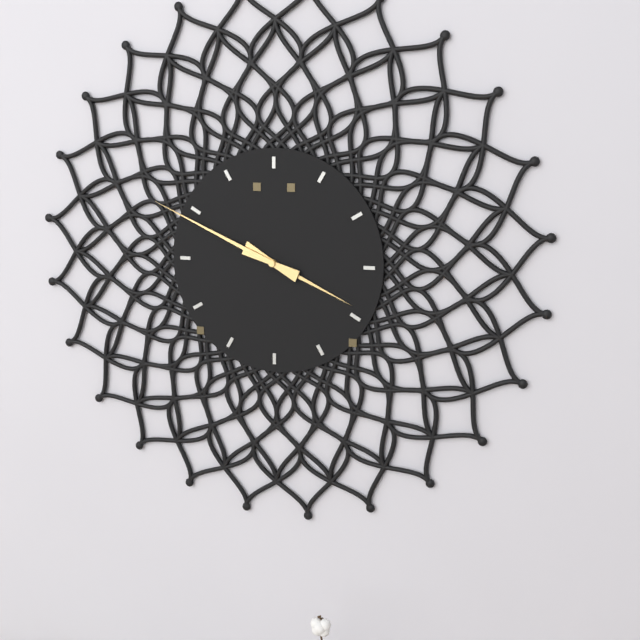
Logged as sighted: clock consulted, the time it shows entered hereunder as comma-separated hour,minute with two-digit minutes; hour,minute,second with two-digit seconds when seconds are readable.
3,49
